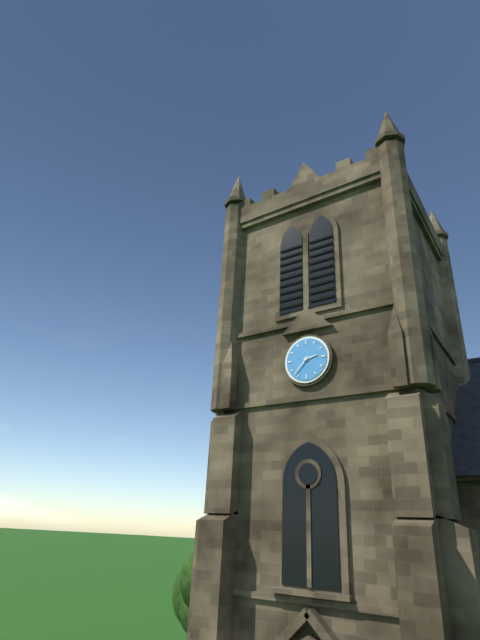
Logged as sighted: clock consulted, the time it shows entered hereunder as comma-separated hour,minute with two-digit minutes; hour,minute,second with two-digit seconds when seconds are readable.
2,37
